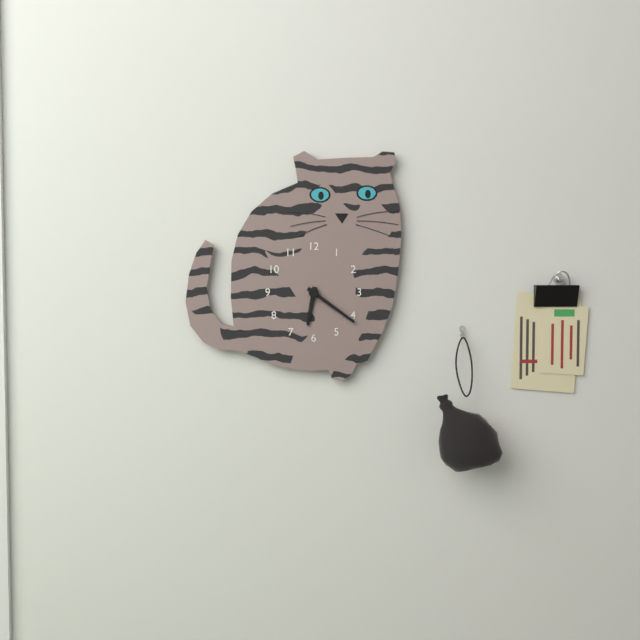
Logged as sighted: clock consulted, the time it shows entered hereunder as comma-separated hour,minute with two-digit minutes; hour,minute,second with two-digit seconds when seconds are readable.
6,21
